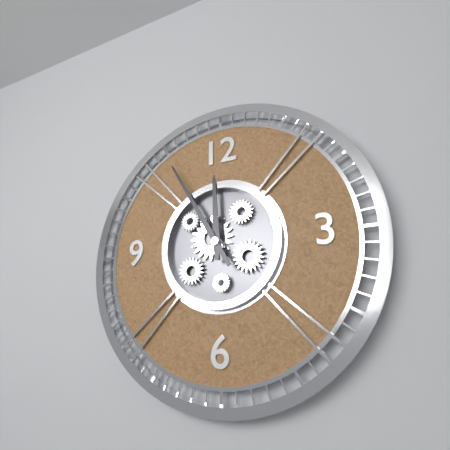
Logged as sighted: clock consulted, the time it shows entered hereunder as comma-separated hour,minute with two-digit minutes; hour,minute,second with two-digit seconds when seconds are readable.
11,55
